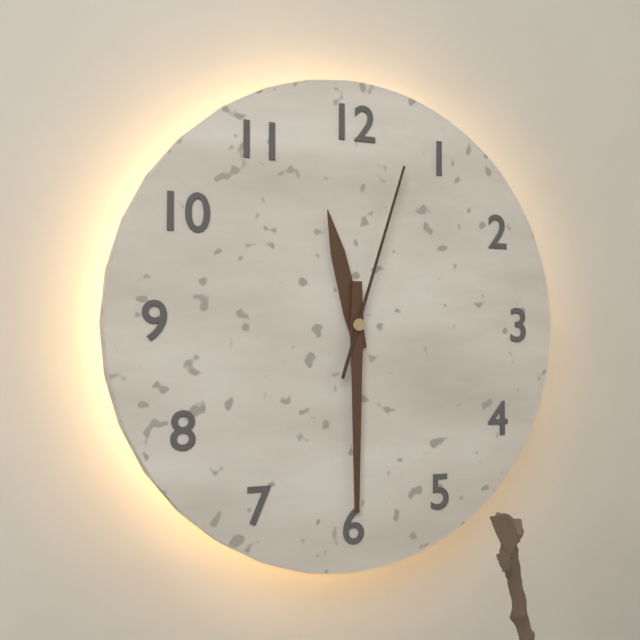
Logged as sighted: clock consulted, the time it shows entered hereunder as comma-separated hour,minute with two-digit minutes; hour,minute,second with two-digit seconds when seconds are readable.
11,30,03
